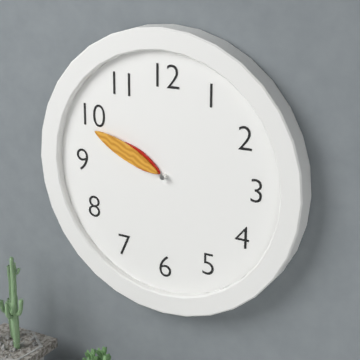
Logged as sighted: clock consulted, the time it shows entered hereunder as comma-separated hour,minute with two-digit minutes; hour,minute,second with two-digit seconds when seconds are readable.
9,49
